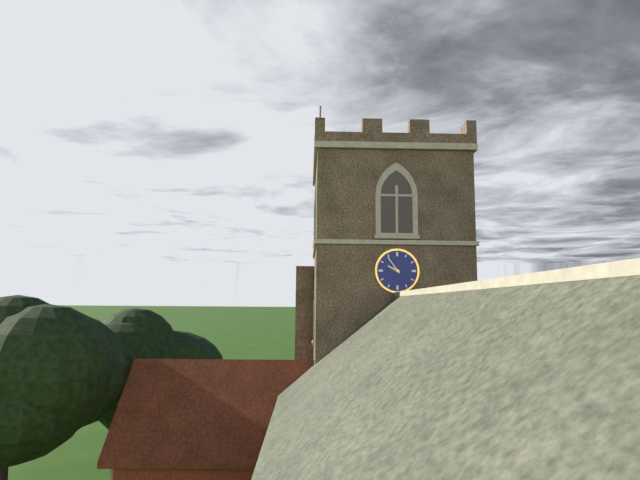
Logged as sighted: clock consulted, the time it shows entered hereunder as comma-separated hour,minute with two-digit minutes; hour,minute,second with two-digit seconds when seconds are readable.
9,54
